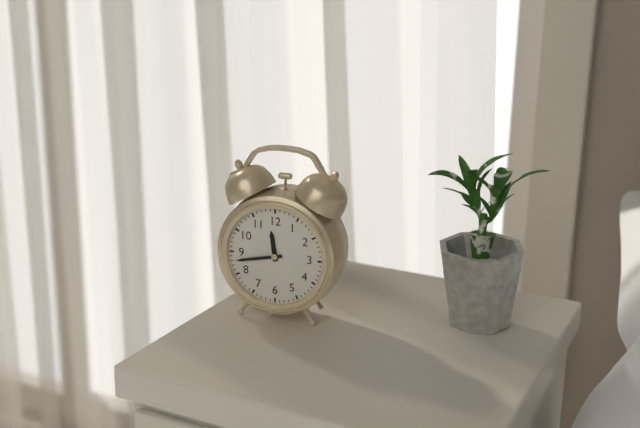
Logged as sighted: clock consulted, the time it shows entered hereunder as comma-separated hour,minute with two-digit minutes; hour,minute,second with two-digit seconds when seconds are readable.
11,43
